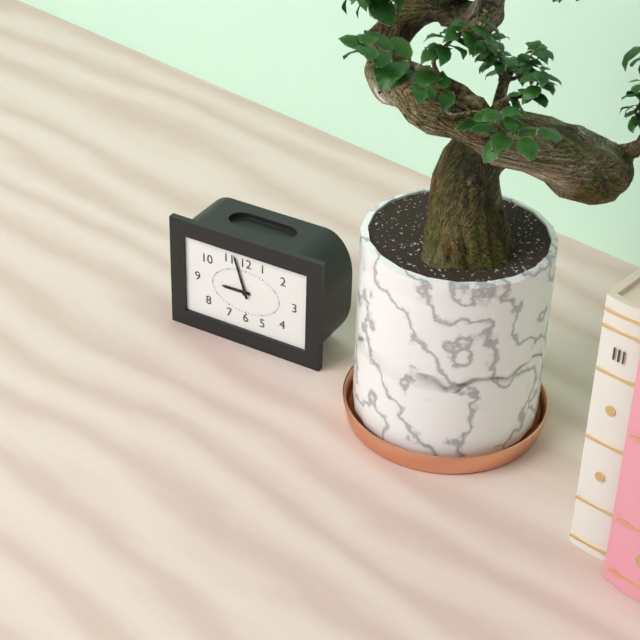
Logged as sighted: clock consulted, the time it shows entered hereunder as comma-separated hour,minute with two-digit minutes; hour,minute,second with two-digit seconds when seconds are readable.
8,57
